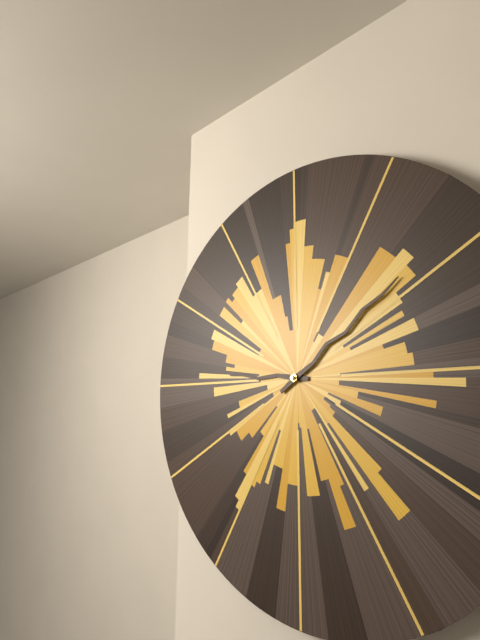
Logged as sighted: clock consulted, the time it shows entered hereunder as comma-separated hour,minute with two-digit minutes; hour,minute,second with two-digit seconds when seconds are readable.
9,09
